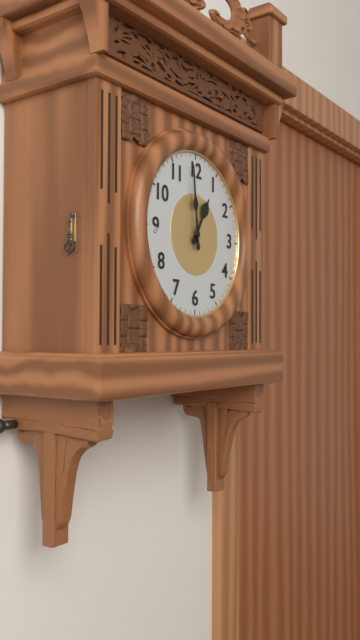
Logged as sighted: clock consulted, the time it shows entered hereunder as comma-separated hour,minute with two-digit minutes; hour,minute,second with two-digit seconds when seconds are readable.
12,59
